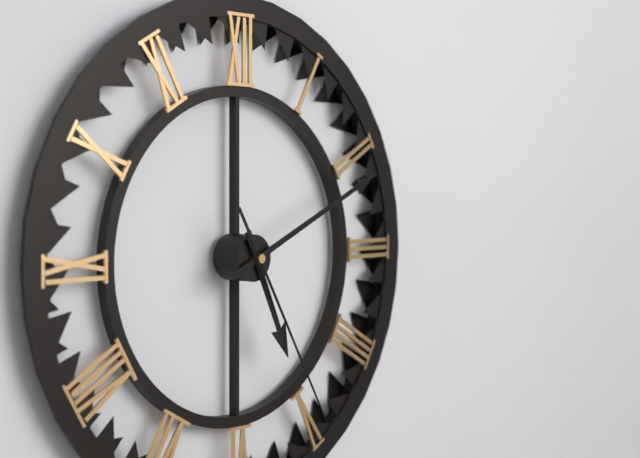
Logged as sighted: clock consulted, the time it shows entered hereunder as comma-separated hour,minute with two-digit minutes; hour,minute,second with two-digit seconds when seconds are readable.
5,11,25
